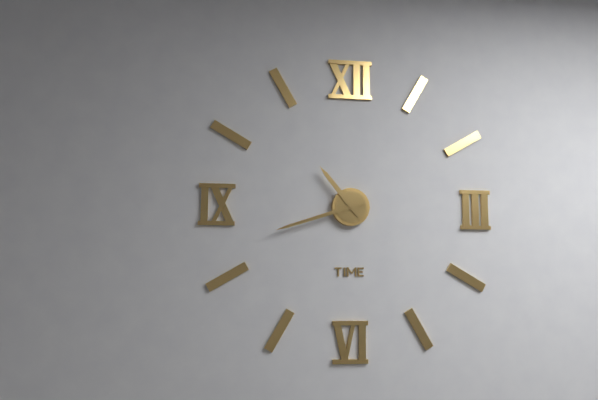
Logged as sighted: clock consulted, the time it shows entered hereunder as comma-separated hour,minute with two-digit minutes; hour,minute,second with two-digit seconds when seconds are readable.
10,42
